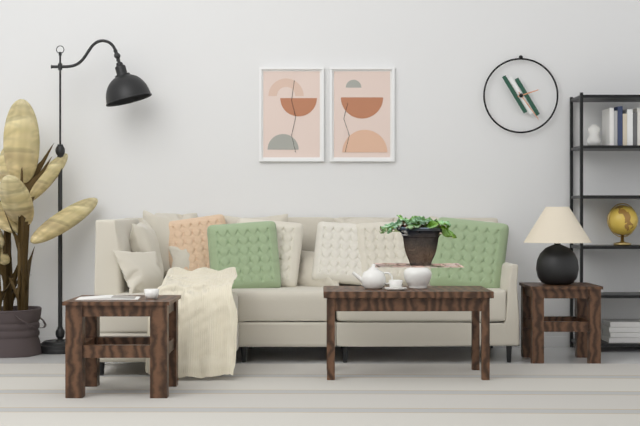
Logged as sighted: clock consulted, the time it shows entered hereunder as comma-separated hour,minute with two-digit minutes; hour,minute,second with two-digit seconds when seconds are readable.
2,24
